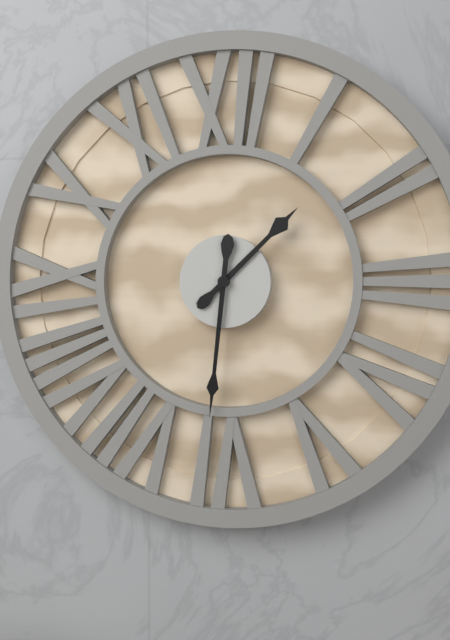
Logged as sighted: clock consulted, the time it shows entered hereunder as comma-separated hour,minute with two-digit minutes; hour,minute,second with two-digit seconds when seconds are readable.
1,31
